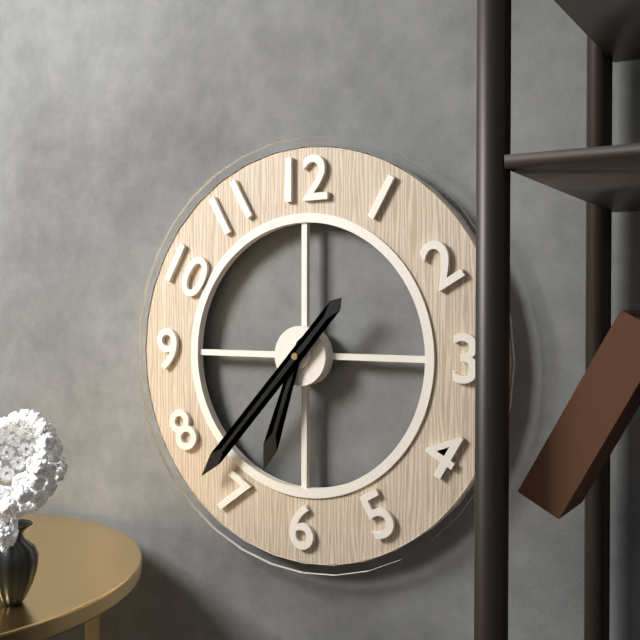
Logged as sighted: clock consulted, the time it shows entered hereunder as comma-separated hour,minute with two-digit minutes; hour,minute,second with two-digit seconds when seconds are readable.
6,37
